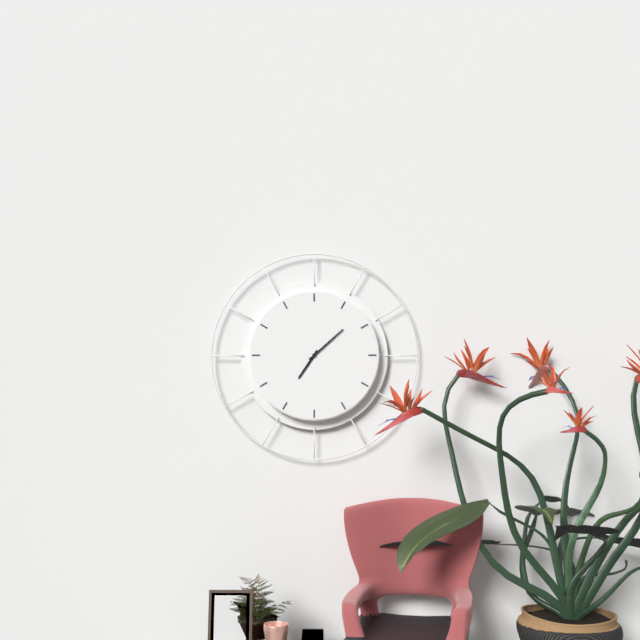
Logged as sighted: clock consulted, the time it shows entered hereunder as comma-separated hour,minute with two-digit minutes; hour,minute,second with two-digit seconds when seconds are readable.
7,08
